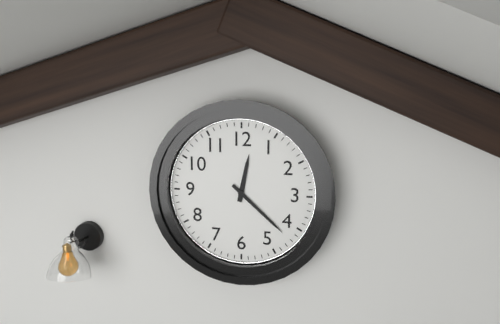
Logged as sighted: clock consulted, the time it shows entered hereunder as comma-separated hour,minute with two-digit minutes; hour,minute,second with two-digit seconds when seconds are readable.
12,22
